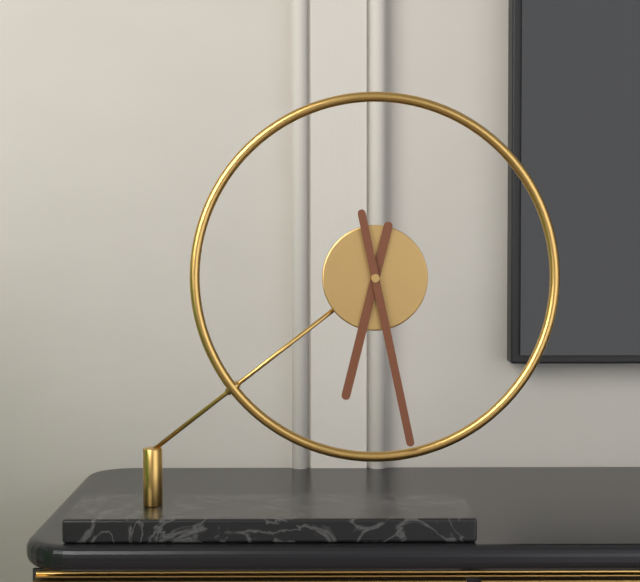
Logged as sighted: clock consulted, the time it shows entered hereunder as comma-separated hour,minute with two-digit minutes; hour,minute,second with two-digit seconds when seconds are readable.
6,28
